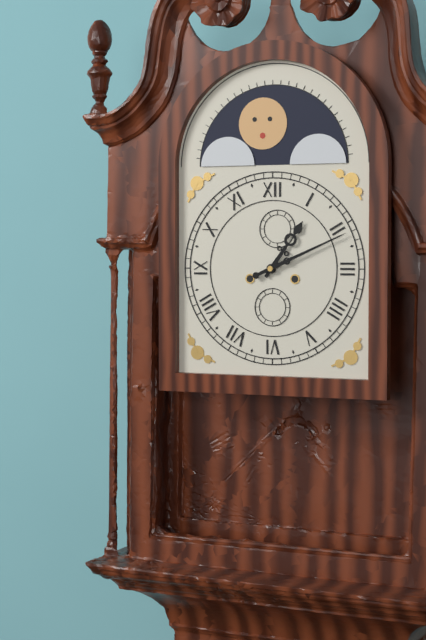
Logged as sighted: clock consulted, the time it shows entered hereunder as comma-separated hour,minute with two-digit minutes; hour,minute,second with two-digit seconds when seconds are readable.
1,11
